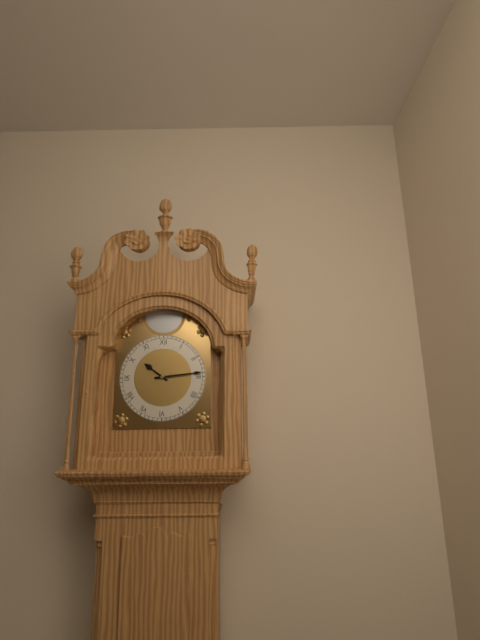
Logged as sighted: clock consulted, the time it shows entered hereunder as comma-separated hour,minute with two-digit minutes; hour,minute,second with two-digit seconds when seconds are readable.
10,14
